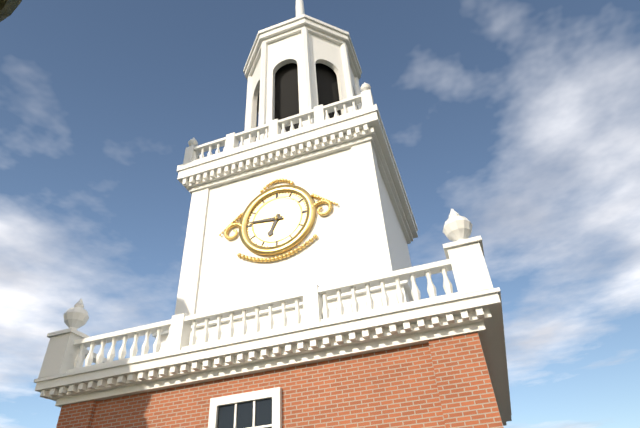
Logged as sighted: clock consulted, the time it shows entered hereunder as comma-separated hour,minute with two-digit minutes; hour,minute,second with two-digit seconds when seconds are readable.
6,46
